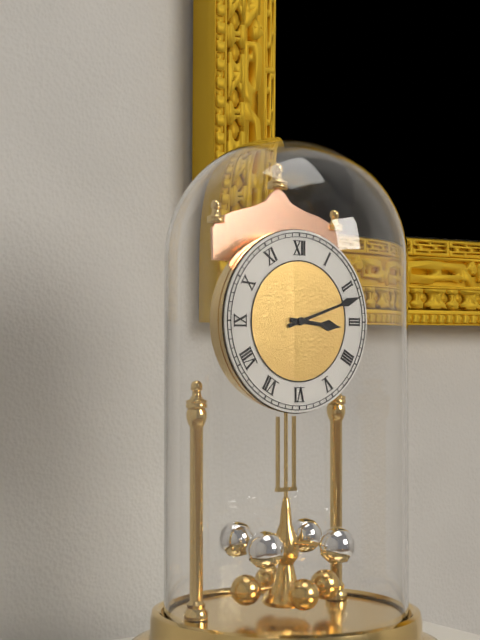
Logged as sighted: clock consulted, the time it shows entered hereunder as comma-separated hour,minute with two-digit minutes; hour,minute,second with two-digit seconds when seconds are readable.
3,12
